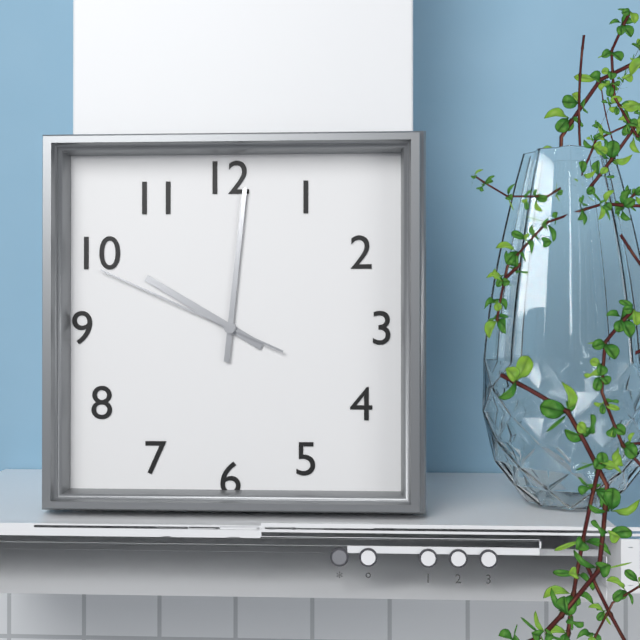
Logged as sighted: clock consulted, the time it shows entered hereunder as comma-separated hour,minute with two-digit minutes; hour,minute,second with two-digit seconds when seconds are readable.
10,01,49
